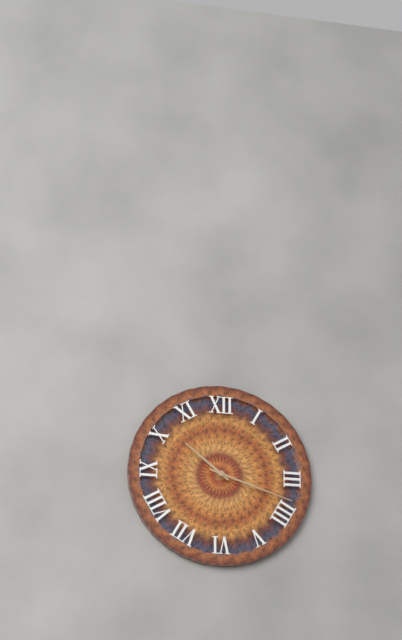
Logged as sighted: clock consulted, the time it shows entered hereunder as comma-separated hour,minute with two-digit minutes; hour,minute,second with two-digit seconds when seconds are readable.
10,18
